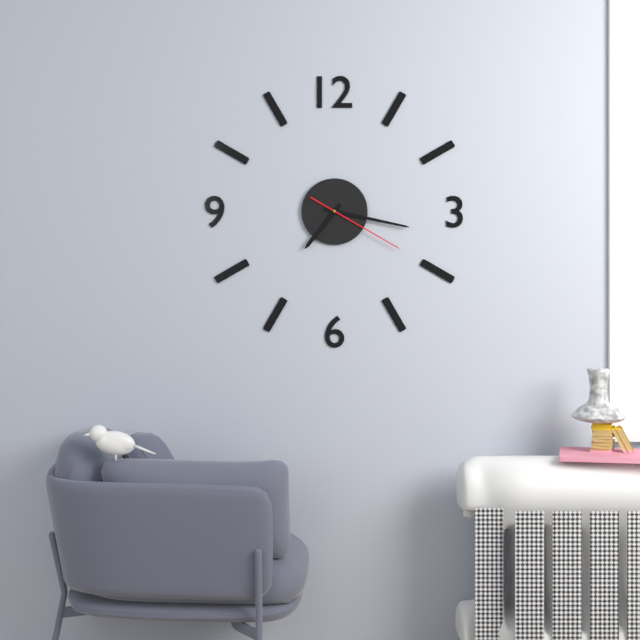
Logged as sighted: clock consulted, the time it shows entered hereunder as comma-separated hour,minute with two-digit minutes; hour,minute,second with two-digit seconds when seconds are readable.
7,17,20
